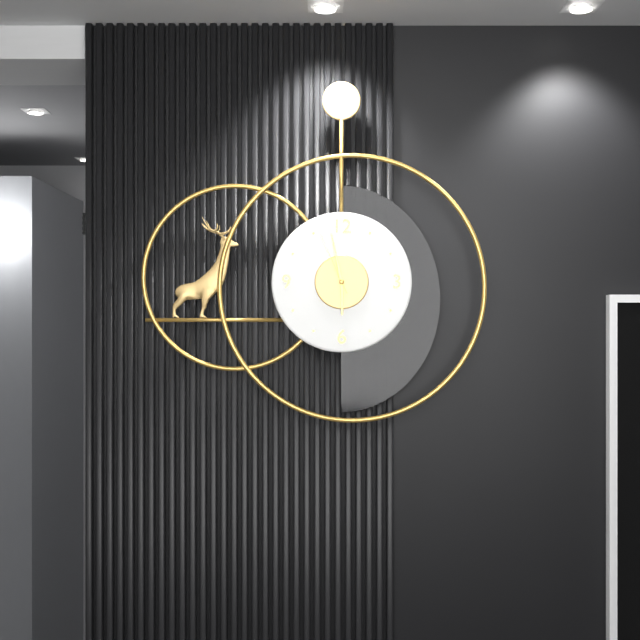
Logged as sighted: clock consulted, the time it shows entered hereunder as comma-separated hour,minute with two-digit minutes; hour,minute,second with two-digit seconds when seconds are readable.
5,58,56
